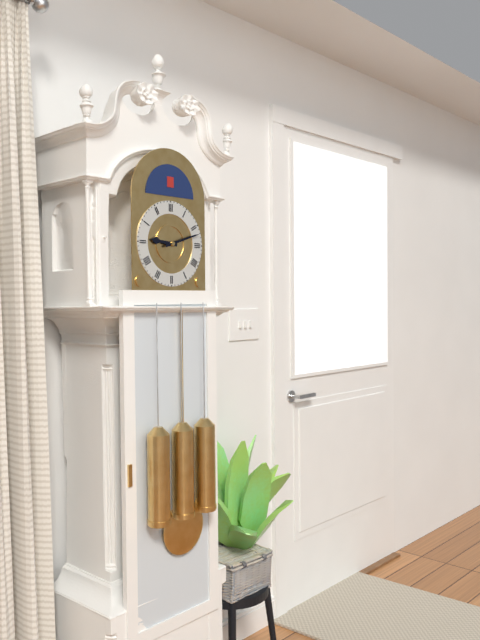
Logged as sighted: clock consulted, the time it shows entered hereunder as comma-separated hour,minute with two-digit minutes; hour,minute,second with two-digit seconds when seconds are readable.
9,12
